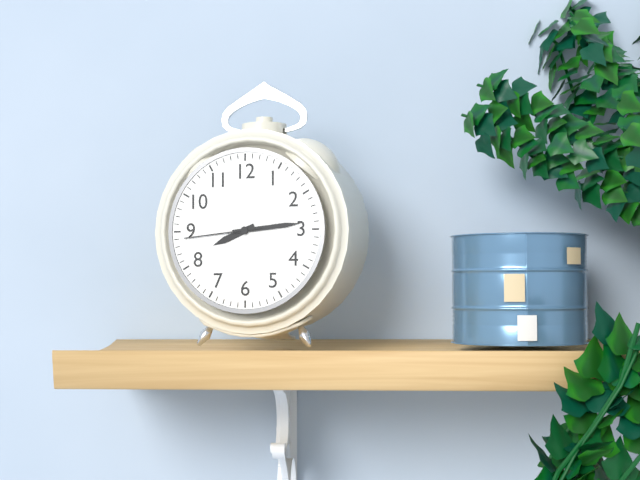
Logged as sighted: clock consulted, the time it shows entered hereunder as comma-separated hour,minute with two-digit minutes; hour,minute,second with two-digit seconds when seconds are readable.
8,14,44
